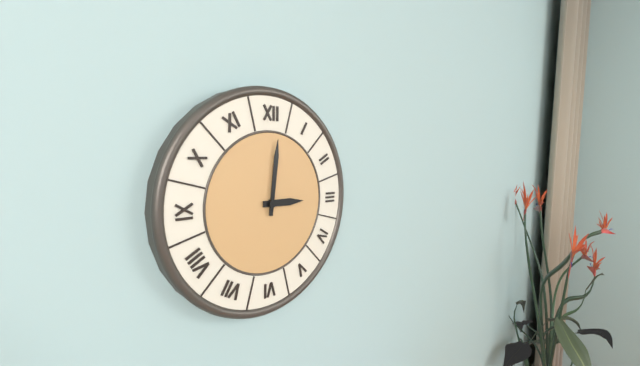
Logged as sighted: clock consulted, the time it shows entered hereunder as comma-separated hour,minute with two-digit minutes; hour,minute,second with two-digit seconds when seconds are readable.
3,01
